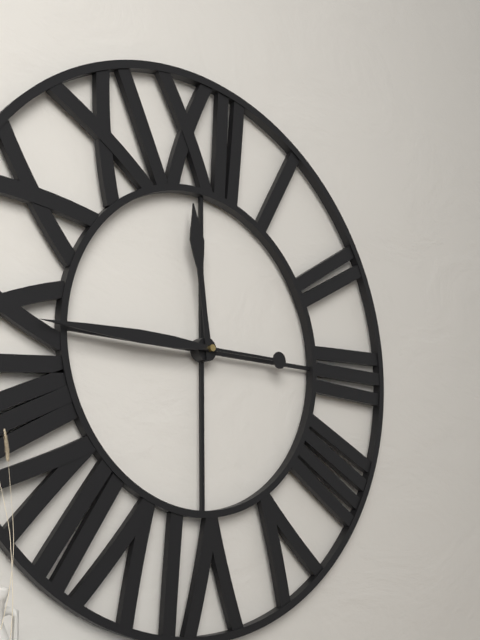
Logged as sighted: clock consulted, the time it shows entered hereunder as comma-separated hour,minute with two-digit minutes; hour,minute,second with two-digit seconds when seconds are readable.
11,45
